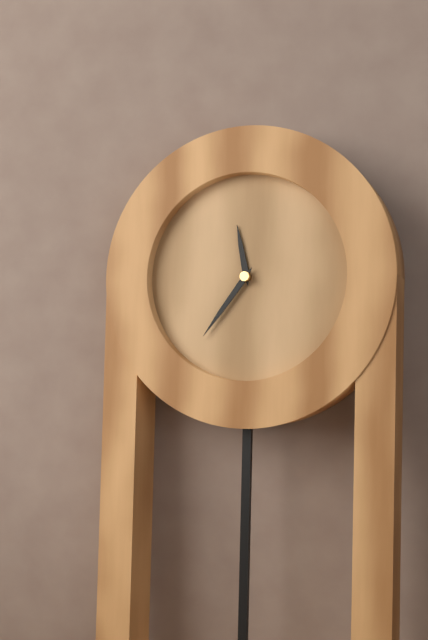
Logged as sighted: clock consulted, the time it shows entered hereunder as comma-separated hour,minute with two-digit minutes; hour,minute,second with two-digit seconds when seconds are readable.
11,36
